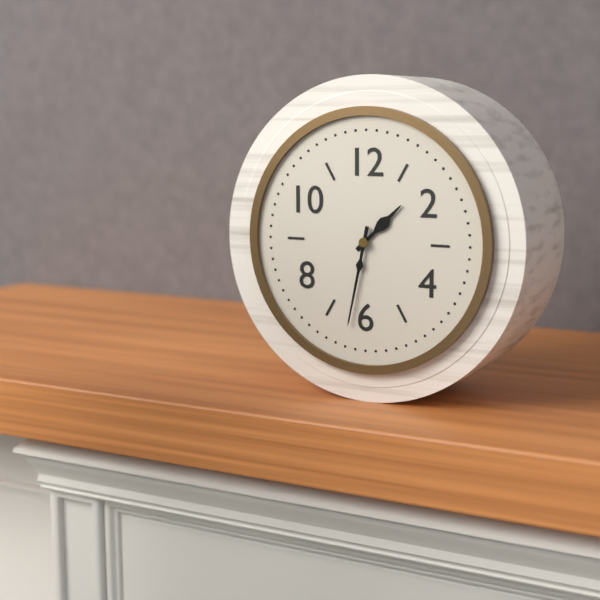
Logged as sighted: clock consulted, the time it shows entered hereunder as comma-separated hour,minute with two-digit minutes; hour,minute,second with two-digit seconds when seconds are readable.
1,32
